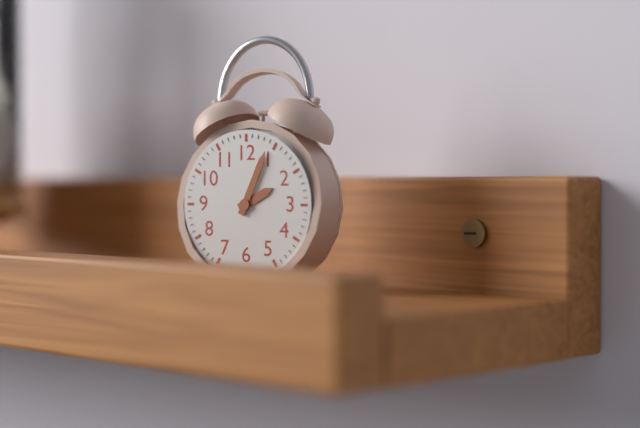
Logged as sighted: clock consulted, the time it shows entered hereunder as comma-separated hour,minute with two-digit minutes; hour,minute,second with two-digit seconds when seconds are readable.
2,04
